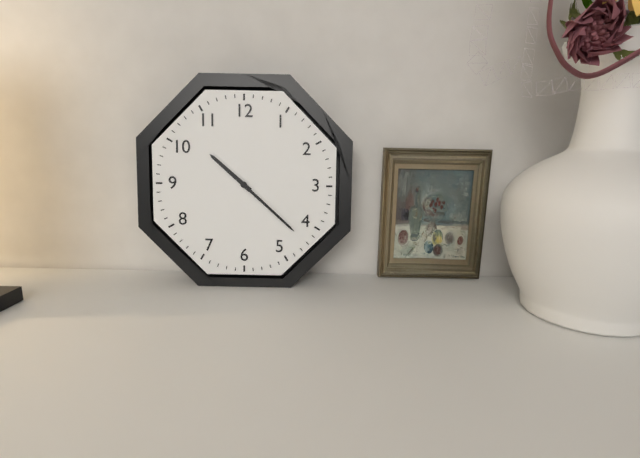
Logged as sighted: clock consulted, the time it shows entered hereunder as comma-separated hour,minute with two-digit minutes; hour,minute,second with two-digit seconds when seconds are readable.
10,22
